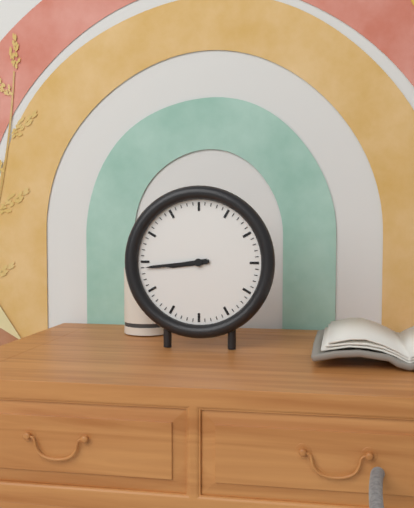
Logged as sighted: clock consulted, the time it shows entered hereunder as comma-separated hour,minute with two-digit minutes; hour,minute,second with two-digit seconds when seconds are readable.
8,44
